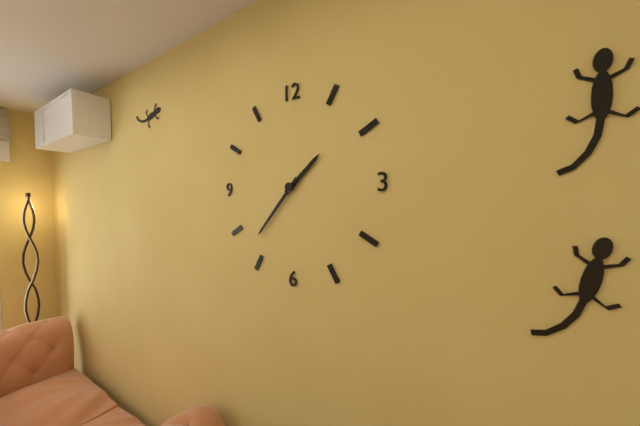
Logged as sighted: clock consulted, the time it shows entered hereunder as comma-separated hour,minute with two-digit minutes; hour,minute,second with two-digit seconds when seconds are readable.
1,37
